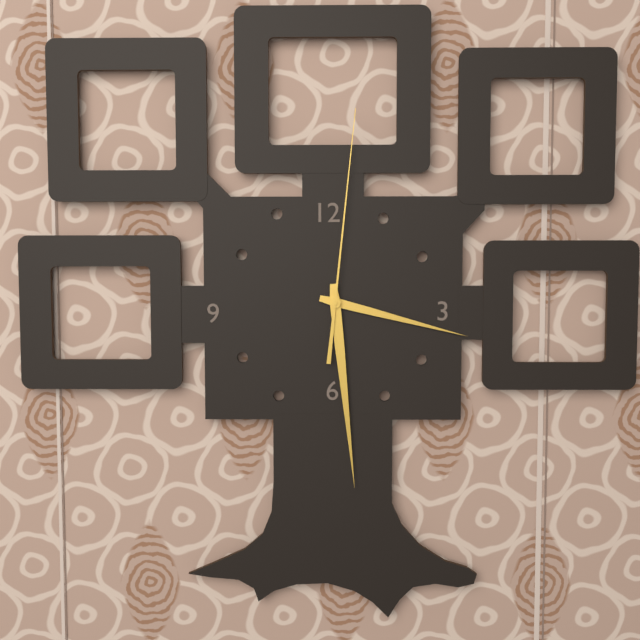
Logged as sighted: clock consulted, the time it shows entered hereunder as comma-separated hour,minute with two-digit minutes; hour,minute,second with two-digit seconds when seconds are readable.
3,29,01
